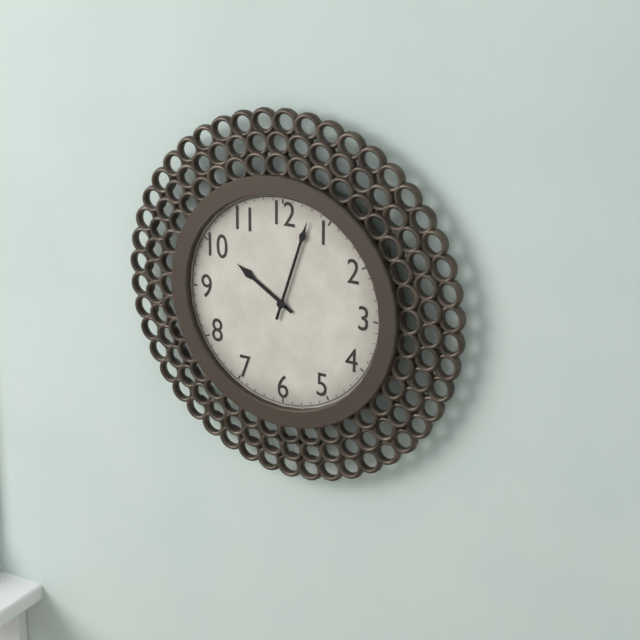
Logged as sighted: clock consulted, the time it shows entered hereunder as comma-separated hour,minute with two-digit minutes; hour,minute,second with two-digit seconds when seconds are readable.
10,03
